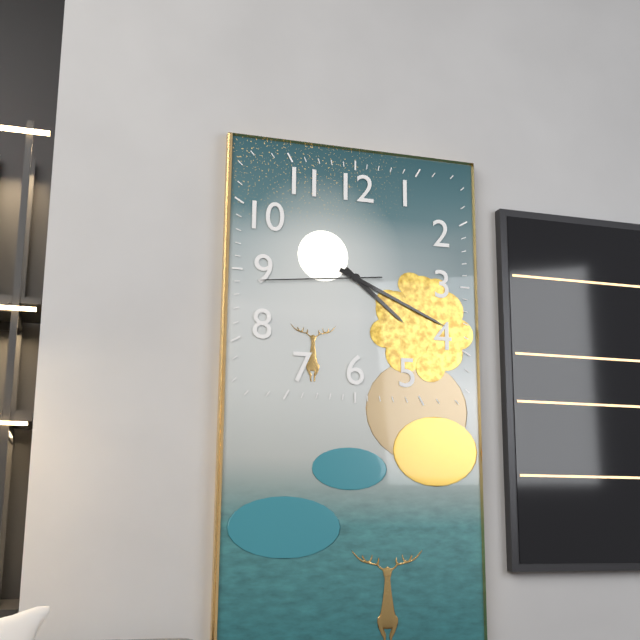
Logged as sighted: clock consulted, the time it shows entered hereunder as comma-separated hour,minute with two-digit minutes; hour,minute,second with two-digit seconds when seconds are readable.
4,19,44
